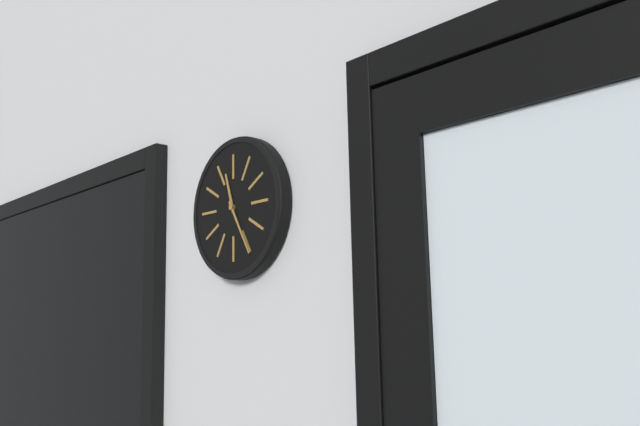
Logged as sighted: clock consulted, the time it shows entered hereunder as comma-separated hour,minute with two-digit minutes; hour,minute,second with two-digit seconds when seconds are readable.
11,25
